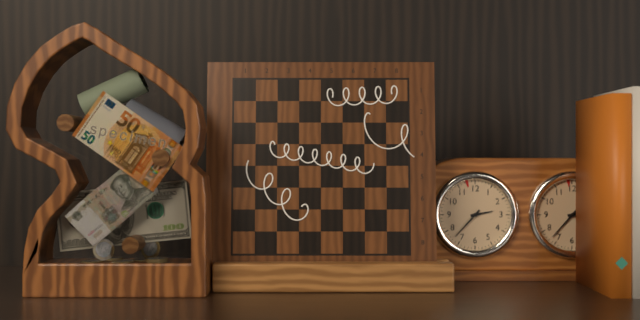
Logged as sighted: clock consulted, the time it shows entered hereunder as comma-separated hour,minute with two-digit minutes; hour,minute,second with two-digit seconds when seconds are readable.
2,37
